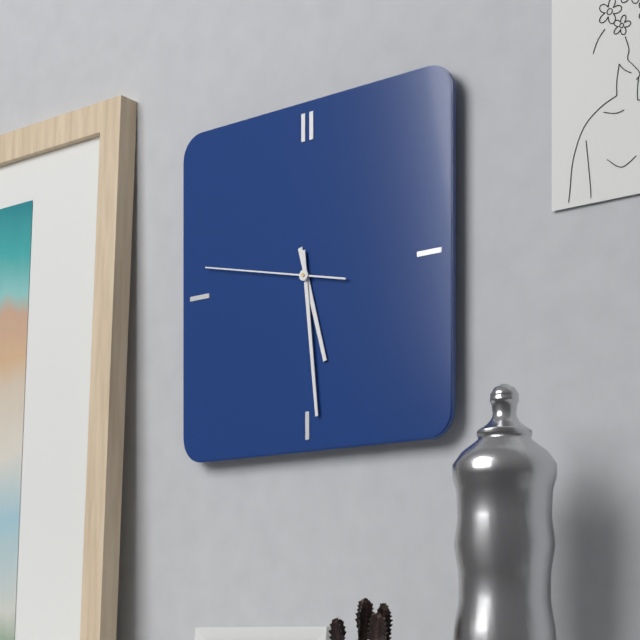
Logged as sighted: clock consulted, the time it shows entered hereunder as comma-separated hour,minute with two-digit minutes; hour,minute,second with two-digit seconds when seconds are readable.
5,29,47
